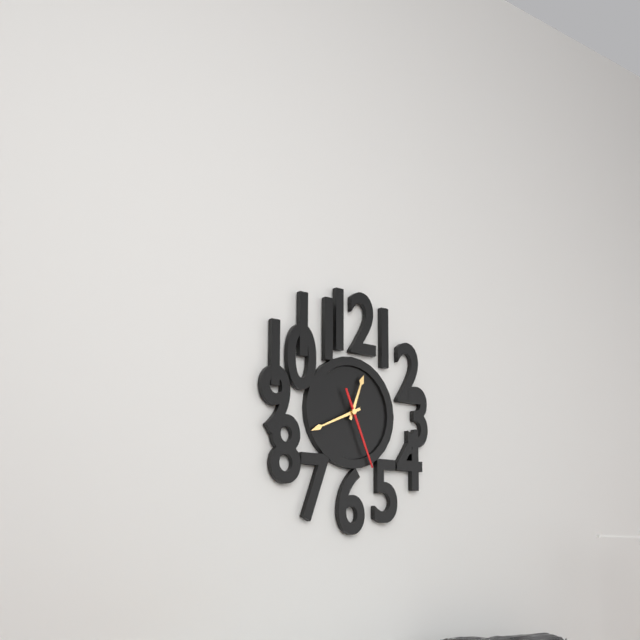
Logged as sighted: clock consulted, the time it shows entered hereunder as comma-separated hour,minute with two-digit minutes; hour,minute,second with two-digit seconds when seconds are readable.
12,41,26
